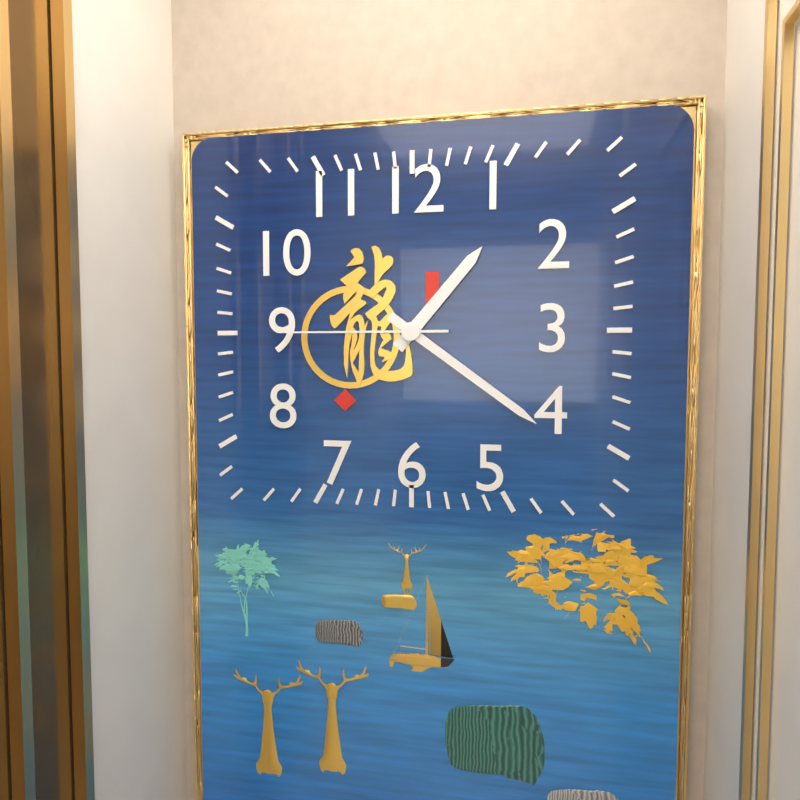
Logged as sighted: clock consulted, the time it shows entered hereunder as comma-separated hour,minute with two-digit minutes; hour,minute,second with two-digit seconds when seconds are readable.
1,21,45
